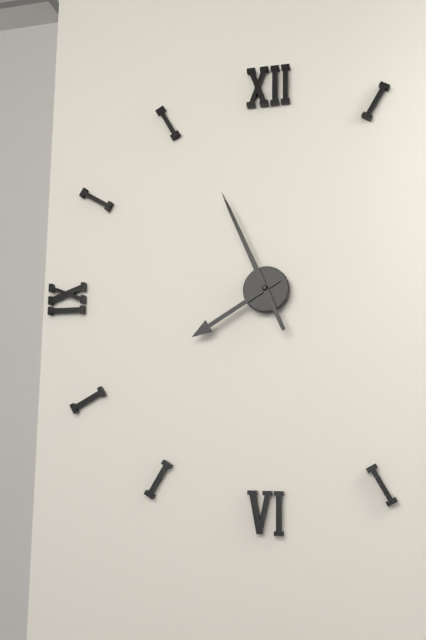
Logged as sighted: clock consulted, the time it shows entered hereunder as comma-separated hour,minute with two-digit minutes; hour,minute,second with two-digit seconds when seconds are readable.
7,56
